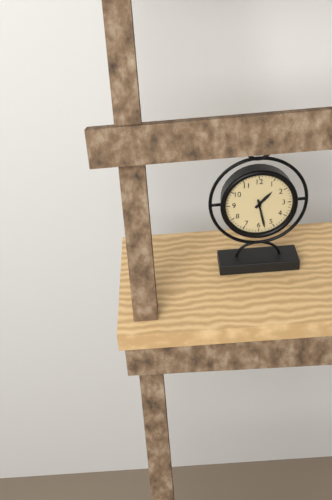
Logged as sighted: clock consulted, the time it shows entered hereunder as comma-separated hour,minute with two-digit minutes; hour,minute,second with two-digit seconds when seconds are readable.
1,28
